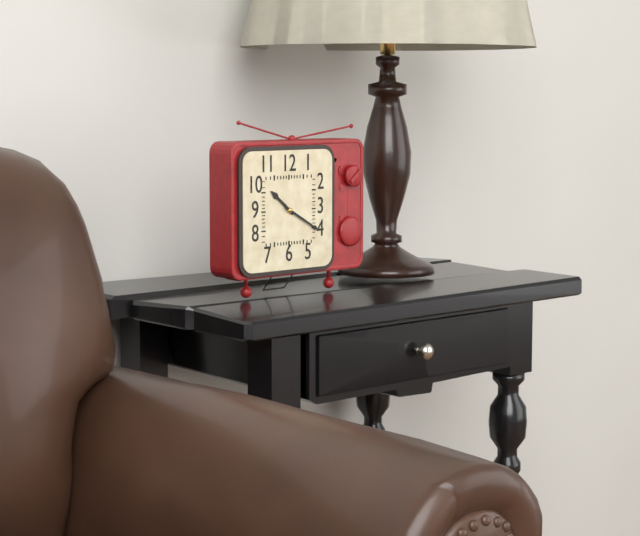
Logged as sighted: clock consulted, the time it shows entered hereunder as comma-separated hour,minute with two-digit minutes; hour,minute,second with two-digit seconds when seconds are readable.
10,20
